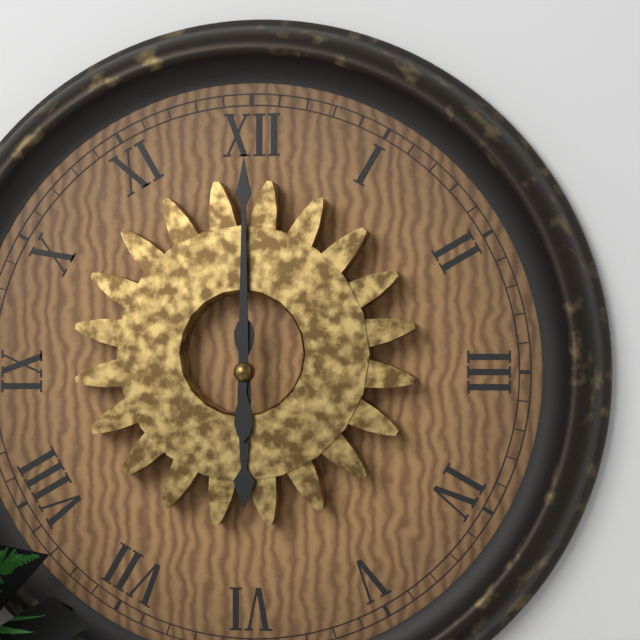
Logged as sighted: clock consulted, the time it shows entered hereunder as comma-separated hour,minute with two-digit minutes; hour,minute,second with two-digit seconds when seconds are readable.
6,00
